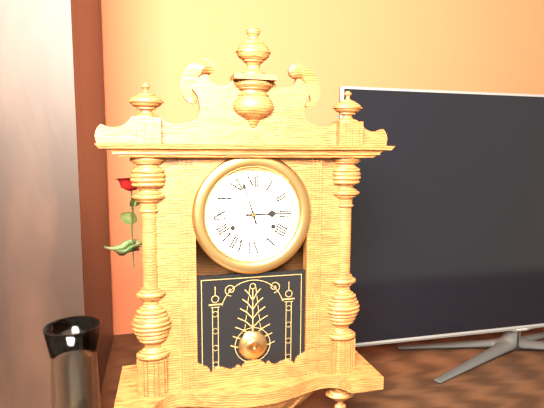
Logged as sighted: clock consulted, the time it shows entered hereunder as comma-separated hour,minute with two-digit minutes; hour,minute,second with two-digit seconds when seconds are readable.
2,57
